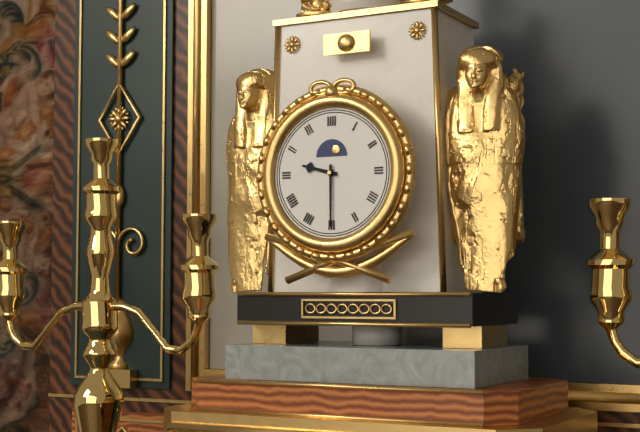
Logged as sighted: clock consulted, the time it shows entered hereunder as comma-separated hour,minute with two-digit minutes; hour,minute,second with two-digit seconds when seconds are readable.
9,30
